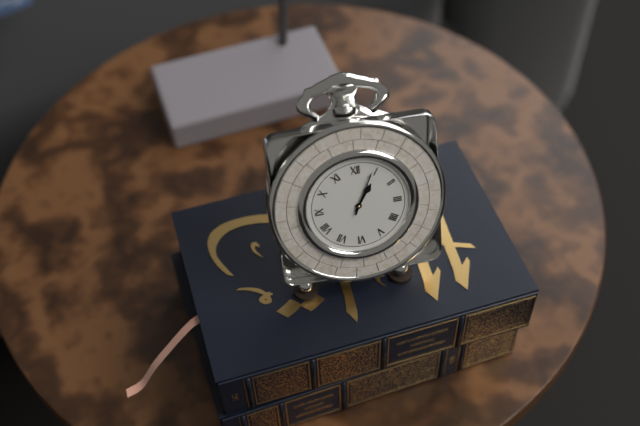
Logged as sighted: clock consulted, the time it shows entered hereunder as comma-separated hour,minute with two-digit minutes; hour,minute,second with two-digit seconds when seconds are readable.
1,04
